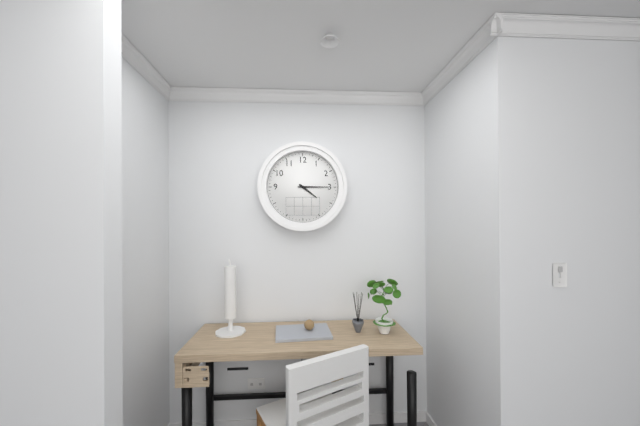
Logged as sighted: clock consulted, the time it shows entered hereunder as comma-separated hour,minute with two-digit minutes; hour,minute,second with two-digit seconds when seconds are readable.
4,15
